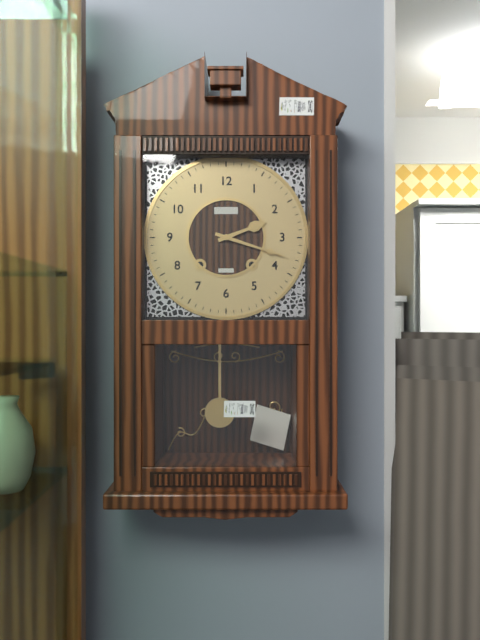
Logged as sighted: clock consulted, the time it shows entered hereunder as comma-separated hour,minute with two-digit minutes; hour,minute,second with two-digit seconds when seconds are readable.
2,18
